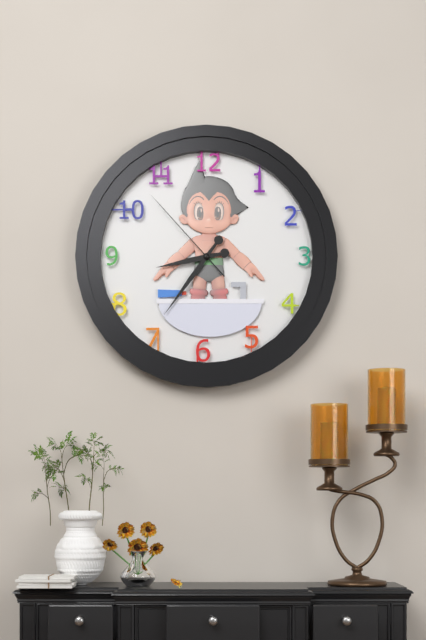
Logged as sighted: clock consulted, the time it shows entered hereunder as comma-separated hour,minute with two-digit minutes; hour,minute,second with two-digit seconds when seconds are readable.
8,36,53
